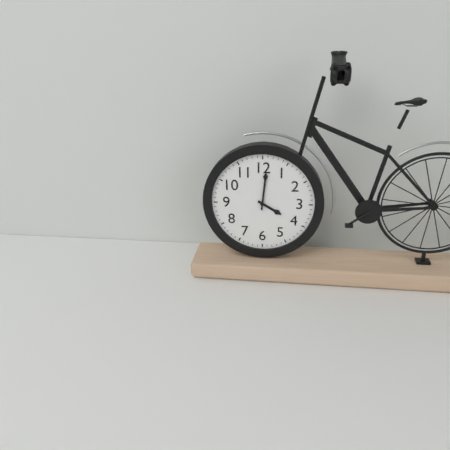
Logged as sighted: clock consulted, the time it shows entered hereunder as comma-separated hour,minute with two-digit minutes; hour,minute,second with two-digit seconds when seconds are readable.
4,01
